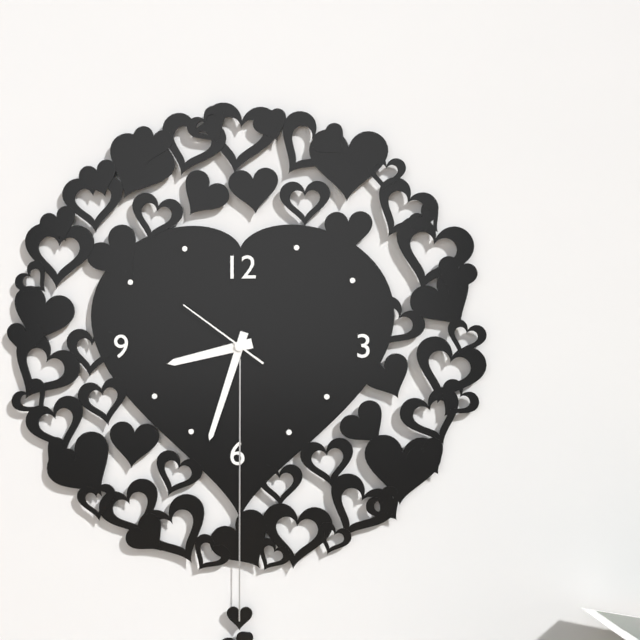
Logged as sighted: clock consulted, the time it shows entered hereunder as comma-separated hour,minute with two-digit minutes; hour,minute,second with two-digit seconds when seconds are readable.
8,33,51
